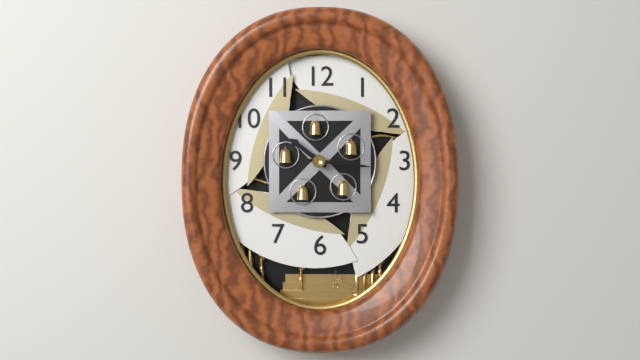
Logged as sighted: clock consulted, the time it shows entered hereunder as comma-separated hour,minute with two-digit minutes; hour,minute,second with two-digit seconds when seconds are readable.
10,16
